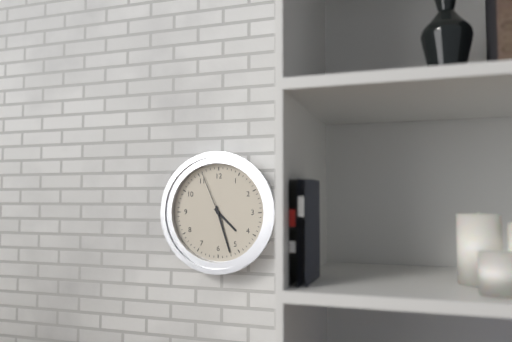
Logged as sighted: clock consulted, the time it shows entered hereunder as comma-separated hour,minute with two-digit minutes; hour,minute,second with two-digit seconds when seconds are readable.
4,27,56
